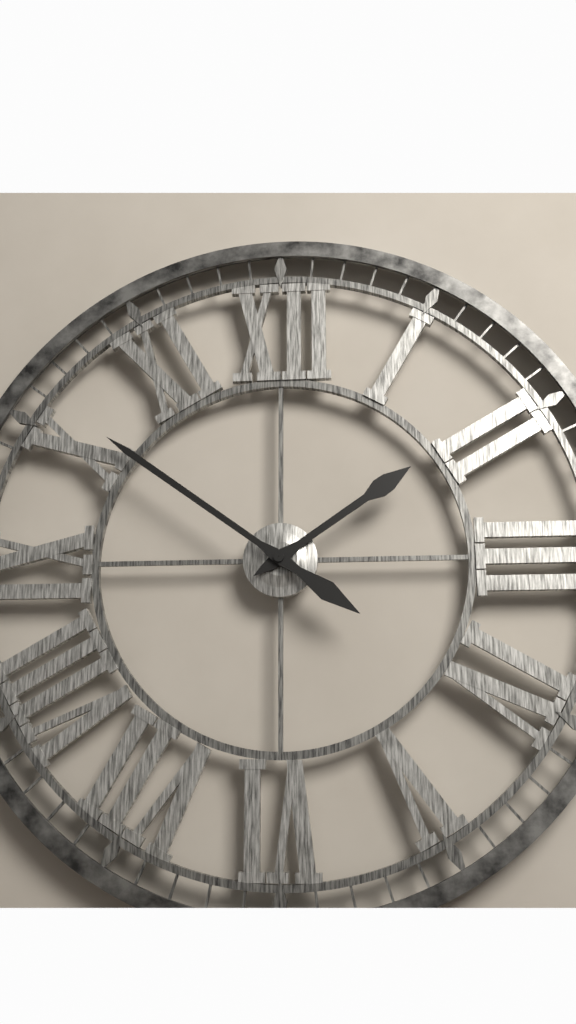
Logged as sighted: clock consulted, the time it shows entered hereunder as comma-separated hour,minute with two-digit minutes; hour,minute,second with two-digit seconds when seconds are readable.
1,51
